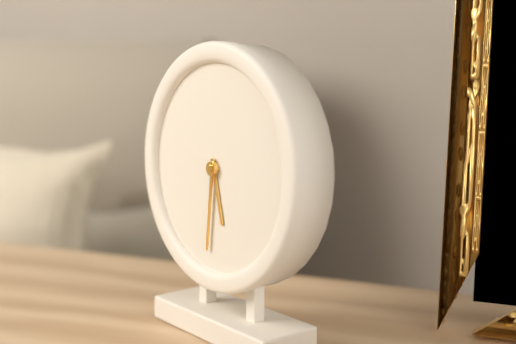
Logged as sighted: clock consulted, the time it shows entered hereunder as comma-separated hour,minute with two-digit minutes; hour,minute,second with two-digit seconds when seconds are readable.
5,31
